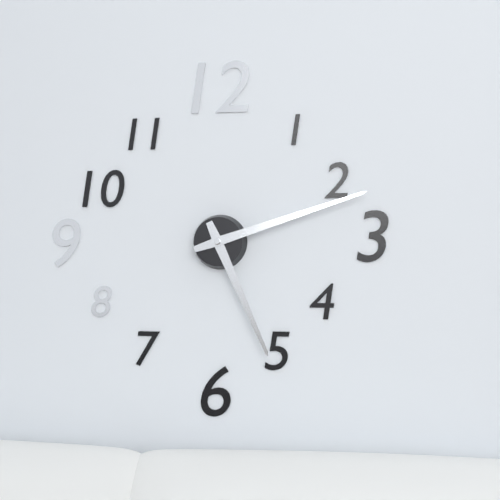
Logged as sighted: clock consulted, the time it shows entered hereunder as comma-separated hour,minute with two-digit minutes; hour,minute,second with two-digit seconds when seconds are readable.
5,12
